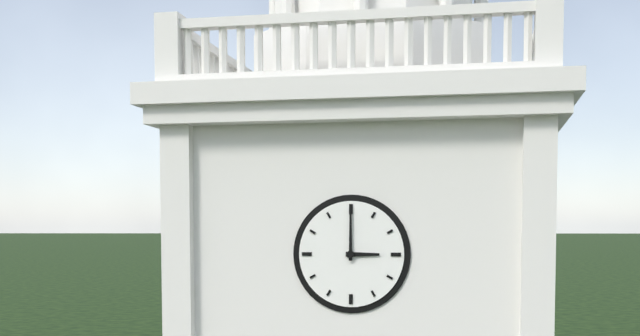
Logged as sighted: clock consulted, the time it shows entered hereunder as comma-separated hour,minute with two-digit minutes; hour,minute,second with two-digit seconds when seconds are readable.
3,00
